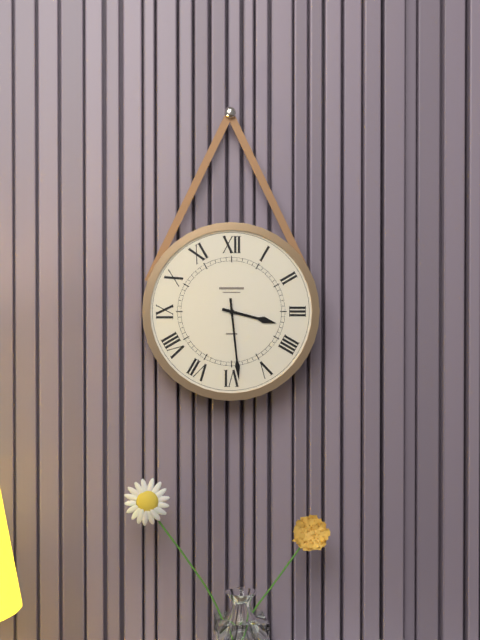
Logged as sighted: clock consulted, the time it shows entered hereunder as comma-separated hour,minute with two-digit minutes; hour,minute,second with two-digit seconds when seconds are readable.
3,29
